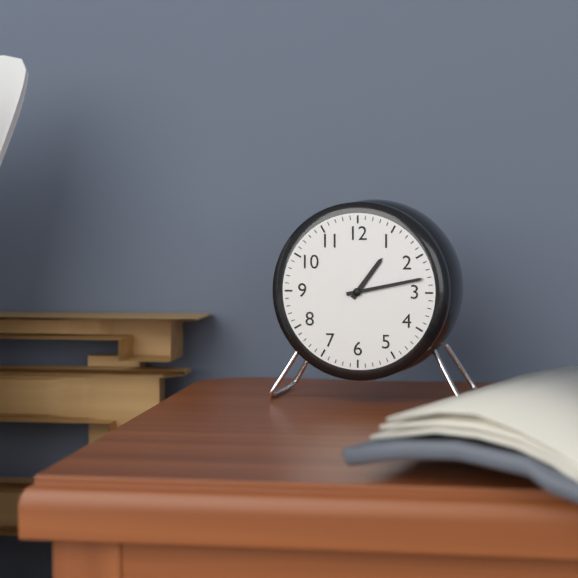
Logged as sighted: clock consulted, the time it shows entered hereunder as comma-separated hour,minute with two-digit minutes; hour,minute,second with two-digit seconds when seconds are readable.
1,13
